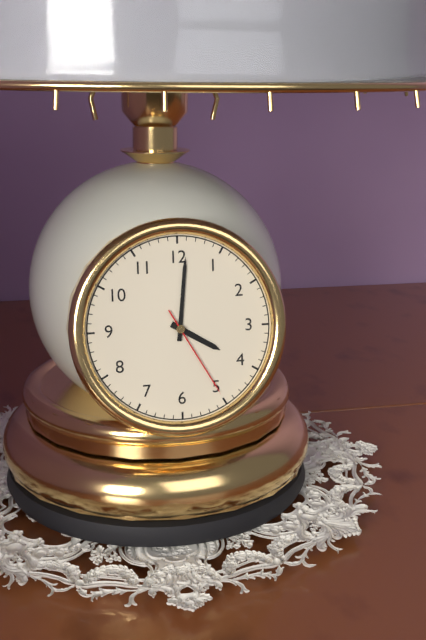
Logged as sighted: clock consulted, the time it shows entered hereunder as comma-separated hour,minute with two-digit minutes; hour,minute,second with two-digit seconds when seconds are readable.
4,01,25
